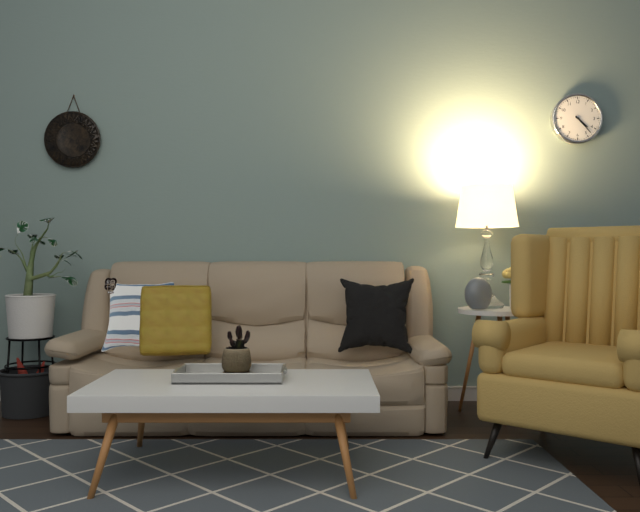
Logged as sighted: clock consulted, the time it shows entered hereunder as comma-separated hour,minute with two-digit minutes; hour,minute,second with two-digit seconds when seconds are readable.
4,23
